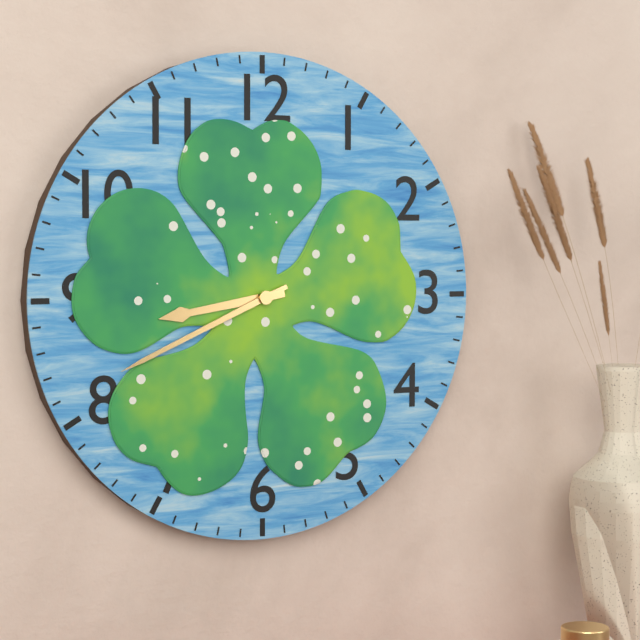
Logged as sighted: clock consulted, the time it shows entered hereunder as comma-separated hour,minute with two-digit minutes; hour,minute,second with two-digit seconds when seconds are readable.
8,41
